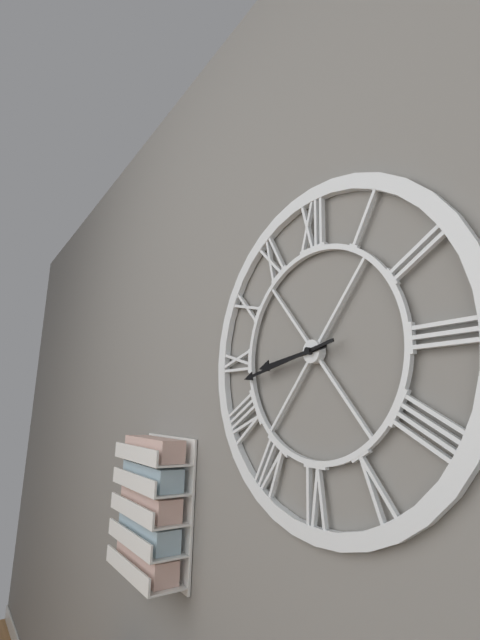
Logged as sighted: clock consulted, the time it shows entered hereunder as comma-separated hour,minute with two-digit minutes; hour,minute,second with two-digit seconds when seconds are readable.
8,43
